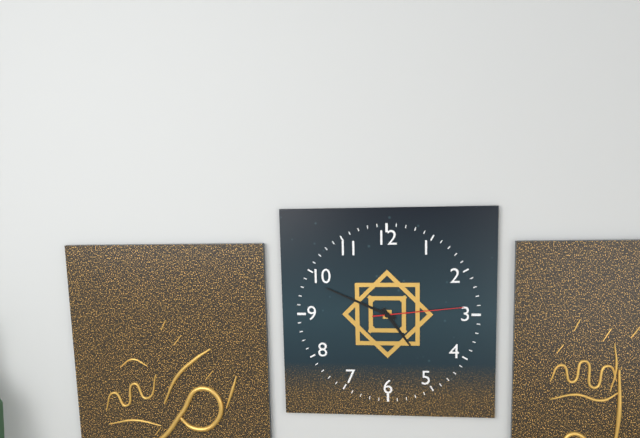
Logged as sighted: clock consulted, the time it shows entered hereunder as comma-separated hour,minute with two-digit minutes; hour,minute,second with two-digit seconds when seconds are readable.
4,49,14
